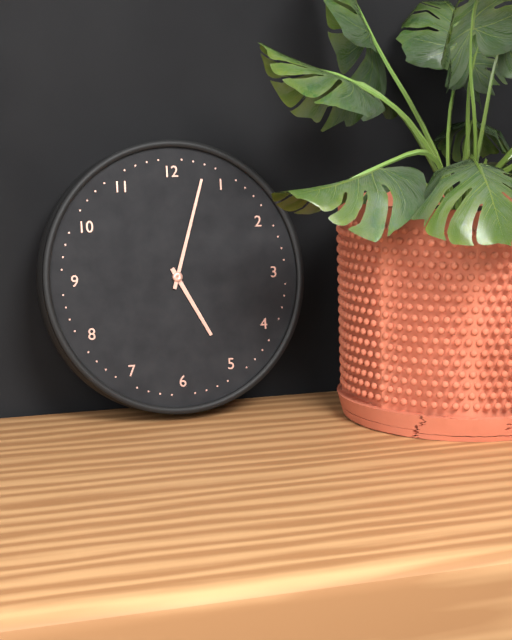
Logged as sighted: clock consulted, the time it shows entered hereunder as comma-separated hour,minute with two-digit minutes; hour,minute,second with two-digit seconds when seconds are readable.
5,03
